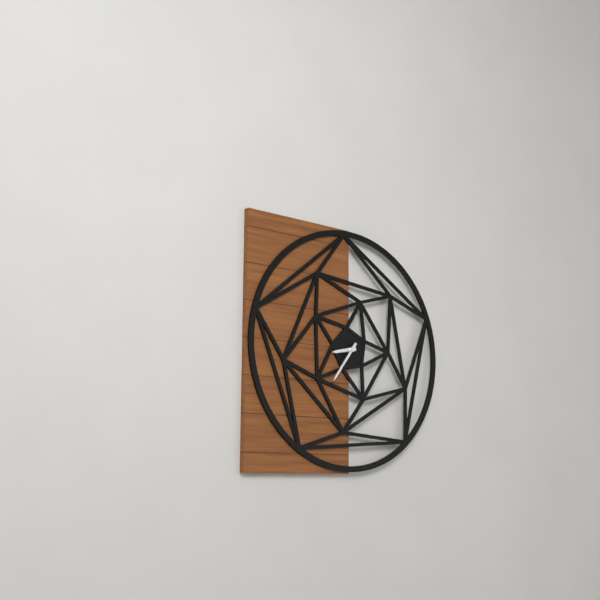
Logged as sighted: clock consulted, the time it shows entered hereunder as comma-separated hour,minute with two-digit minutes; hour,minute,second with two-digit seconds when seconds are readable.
8,36
